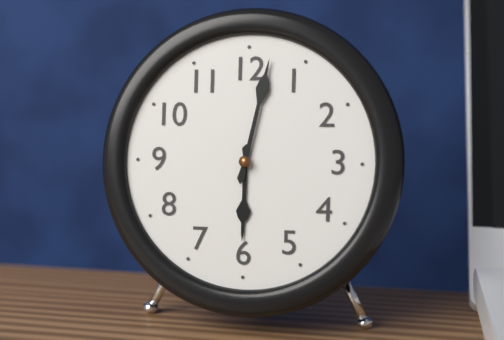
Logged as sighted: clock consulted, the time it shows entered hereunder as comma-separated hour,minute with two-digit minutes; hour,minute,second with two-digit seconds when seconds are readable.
6,02
